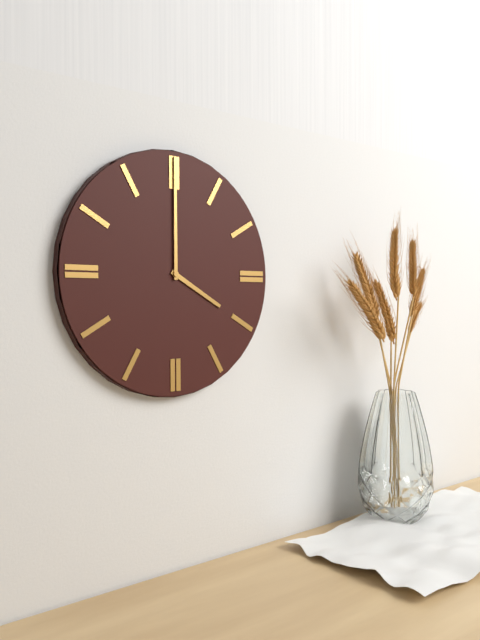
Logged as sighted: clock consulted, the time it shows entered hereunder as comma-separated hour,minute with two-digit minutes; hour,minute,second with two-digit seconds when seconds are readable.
4,00
